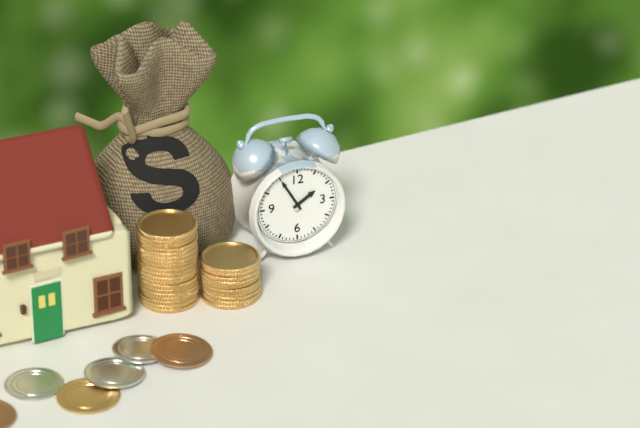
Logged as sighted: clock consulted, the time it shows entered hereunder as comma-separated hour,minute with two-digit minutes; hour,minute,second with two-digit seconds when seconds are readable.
1,55
